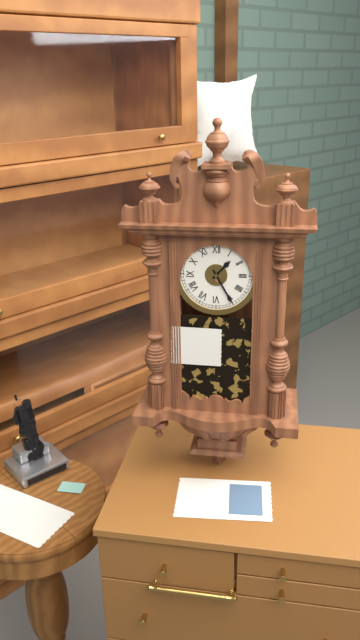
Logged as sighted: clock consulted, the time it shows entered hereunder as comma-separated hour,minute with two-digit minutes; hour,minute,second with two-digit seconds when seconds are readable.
1,25
